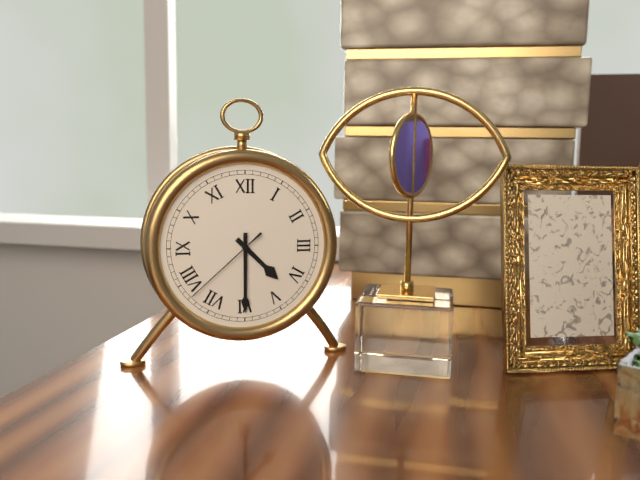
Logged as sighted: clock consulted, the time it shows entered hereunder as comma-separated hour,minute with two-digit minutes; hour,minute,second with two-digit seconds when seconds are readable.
4,30,38
